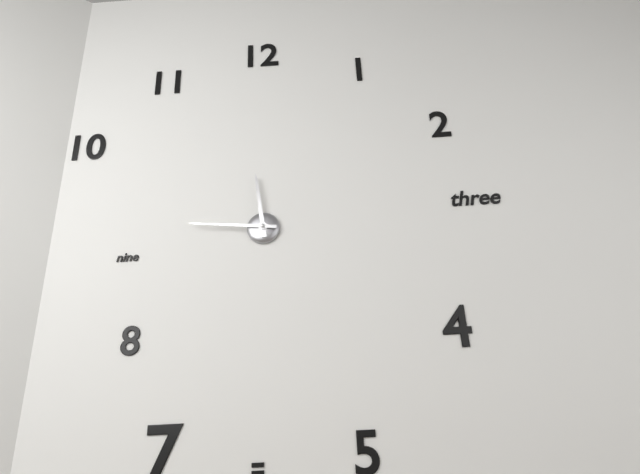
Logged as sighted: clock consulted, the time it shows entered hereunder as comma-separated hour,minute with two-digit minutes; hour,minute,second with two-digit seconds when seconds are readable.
11,46
